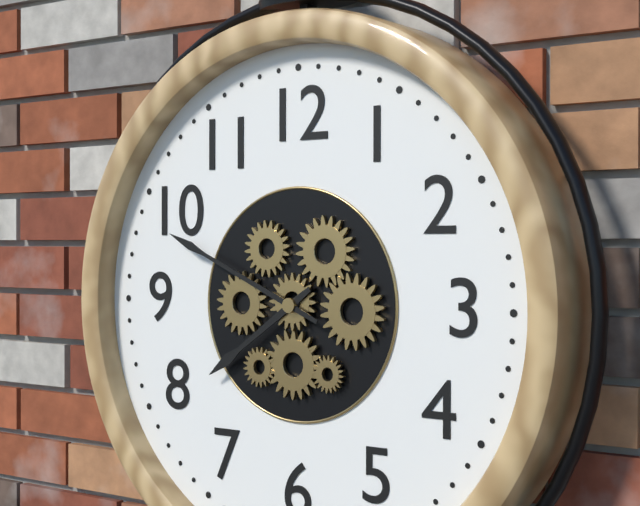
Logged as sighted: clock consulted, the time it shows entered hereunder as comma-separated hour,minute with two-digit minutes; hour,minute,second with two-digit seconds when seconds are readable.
7,49
